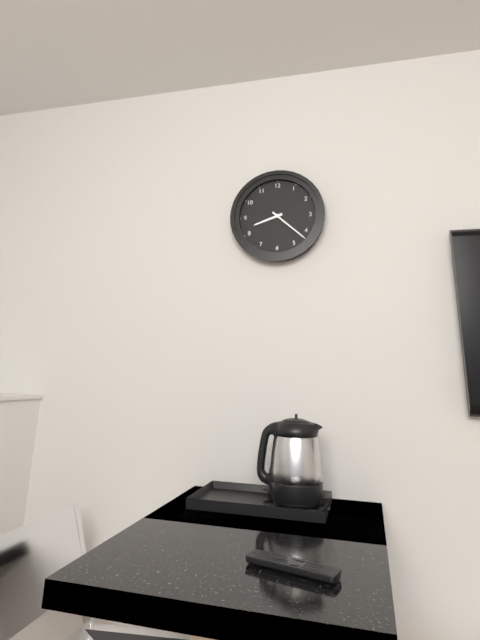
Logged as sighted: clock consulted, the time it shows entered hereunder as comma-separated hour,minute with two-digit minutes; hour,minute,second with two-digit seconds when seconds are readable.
8,22
